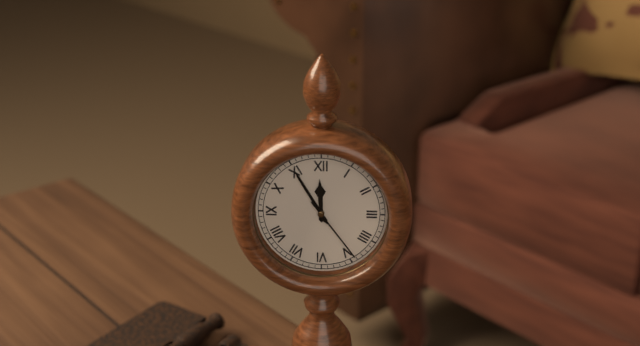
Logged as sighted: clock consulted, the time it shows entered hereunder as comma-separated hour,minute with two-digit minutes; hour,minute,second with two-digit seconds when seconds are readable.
11,55,24
